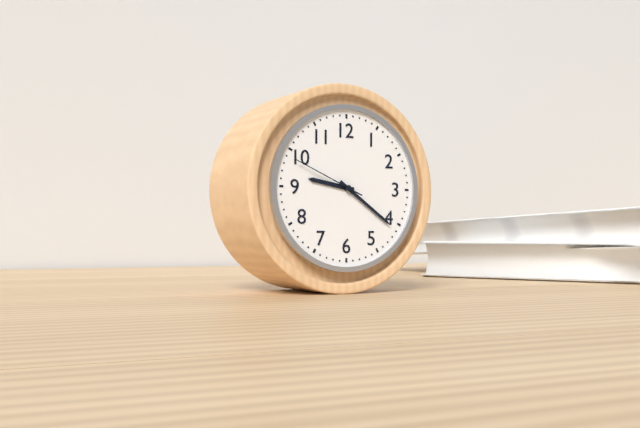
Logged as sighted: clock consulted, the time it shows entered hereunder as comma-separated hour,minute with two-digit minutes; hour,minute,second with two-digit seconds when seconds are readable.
9,21,49
